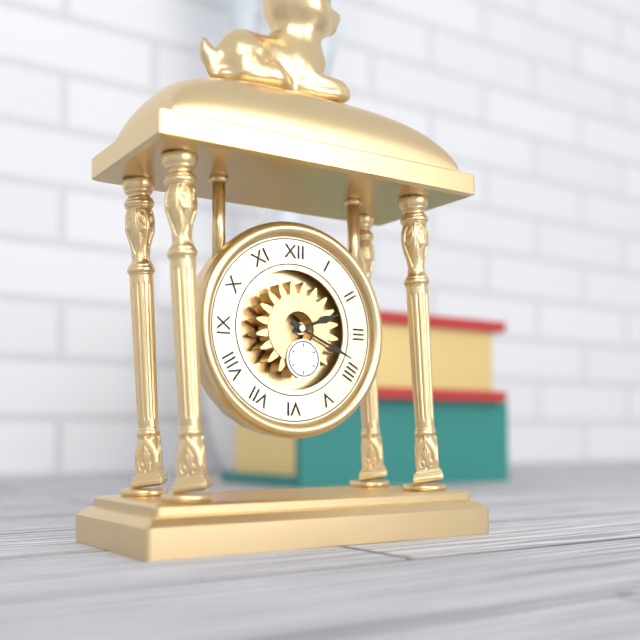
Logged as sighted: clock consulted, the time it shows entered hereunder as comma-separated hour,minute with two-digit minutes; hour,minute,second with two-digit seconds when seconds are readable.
2,19
